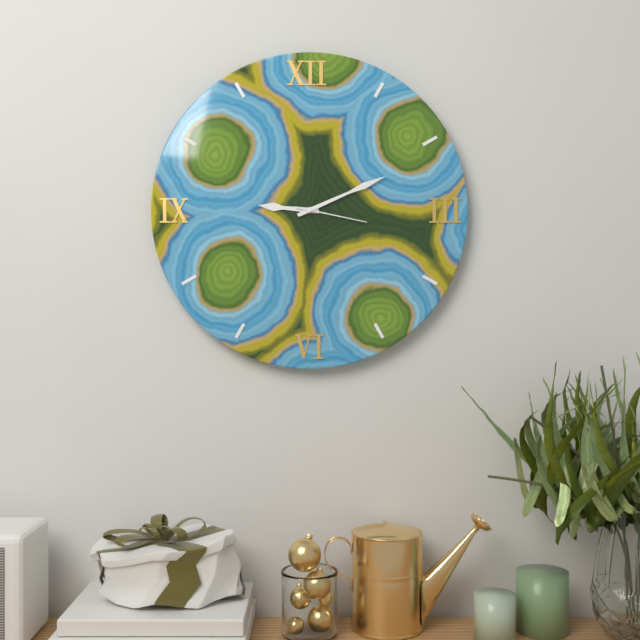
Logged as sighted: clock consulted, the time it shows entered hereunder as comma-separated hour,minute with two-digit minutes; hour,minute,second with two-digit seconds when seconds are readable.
9,11,17
